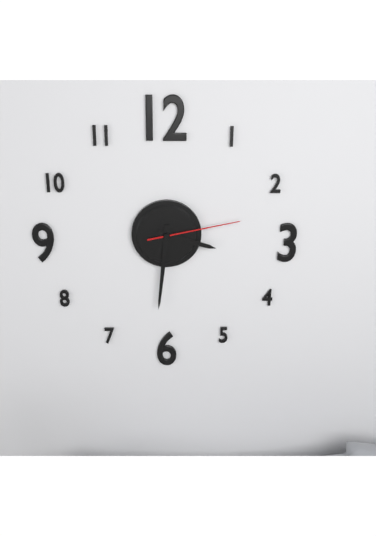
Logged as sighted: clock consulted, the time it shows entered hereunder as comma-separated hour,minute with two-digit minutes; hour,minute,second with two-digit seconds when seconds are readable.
3,31,13
